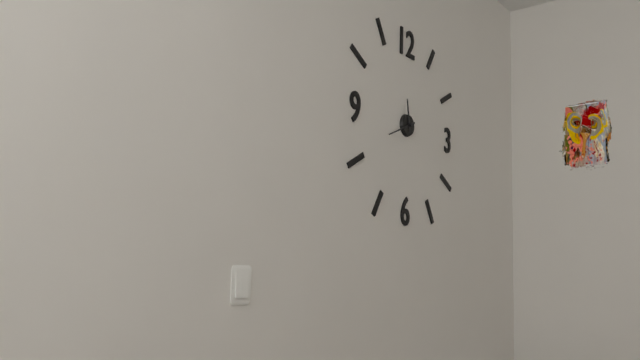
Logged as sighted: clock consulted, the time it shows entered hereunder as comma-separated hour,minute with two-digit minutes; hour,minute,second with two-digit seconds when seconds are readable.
11,41
